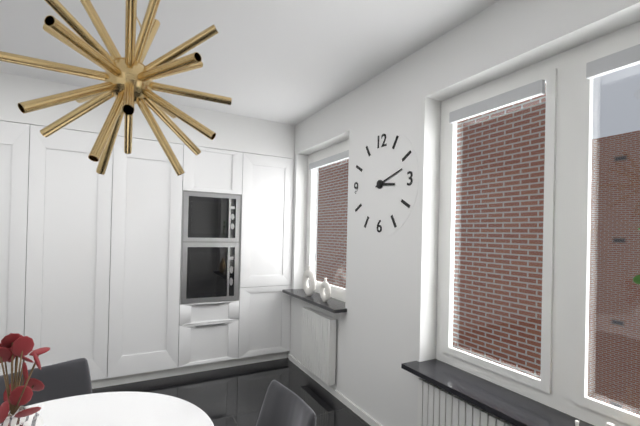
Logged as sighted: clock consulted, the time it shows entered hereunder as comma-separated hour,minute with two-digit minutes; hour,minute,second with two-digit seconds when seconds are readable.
3,12
